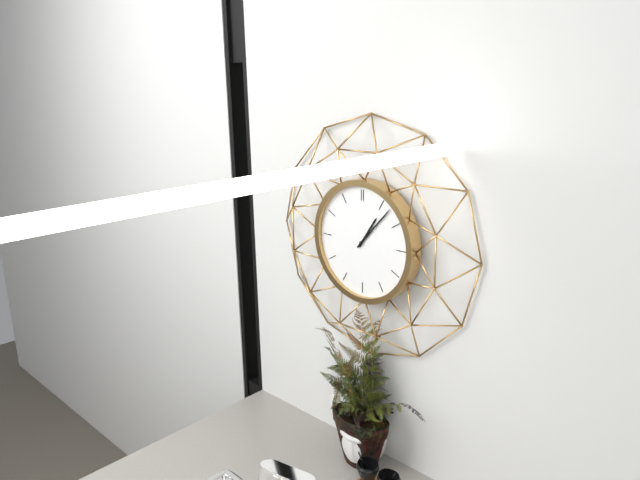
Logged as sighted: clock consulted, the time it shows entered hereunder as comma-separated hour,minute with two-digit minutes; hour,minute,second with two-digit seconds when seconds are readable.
1,07
